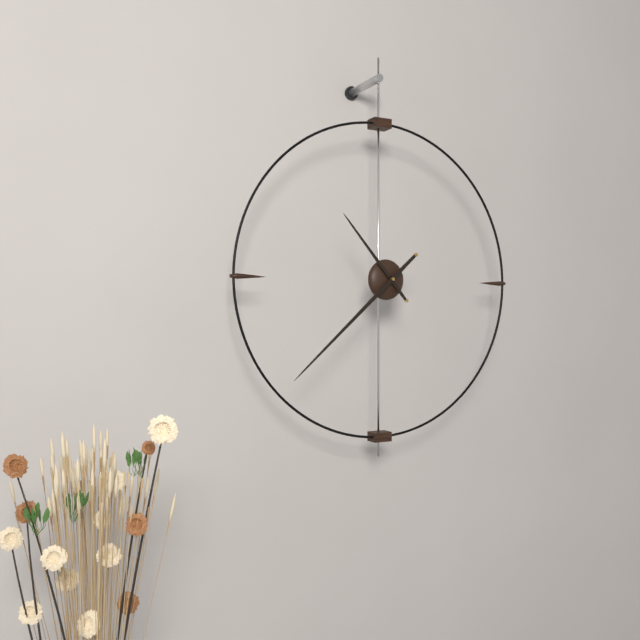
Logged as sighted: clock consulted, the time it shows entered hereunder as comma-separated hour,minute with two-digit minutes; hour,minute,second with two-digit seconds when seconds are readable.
10,38
